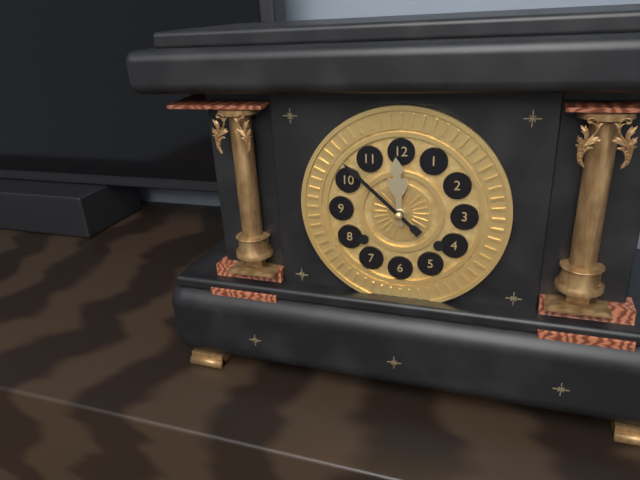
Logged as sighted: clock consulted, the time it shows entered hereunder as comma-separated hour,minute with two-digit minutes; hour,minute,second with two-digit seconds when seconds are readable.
11,52
